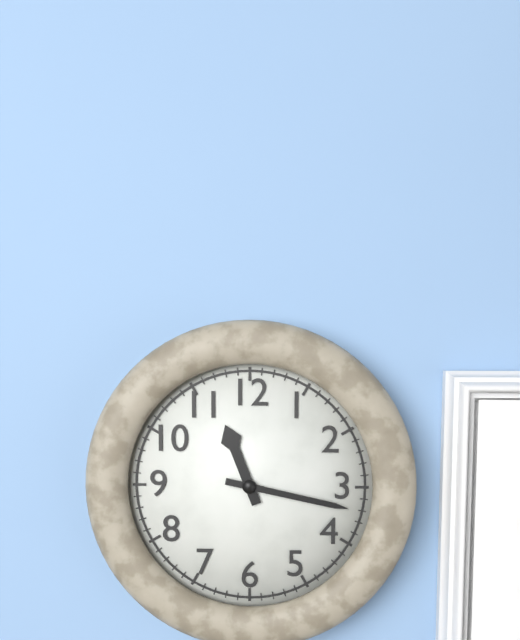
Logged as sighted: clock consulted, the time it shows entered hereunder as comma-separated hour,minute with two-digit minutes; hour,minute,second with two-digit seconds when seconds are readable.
11,17
